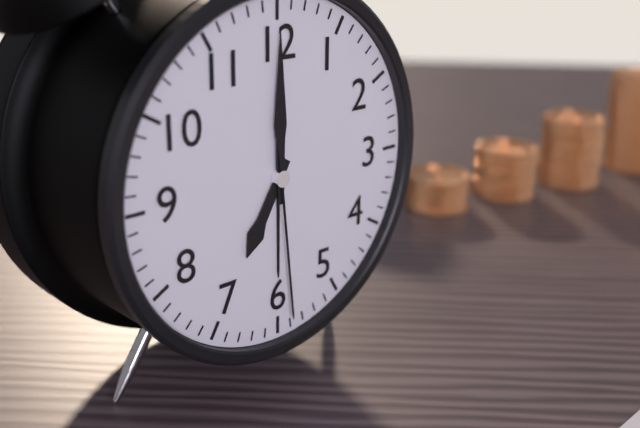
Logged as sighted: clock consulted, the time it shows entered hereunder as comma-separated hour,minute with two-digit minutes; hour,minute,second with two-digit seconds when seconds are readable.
7,00,29
